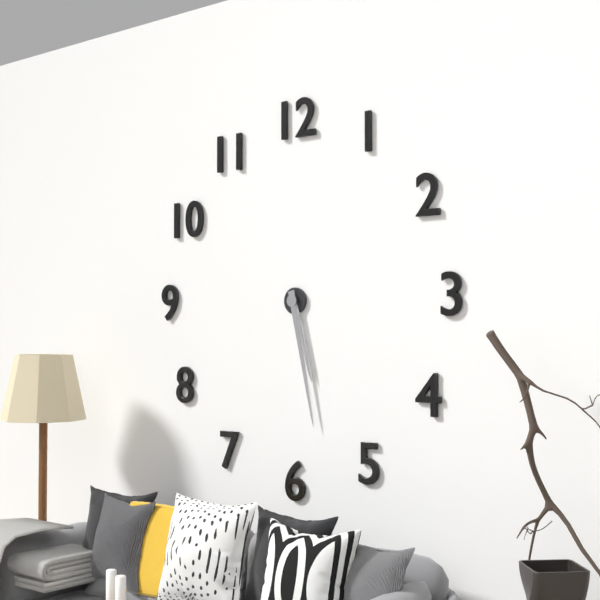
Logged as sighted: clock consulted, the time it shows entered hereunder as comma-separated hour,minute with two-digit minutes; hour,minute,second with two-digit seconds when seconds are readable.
5,28
